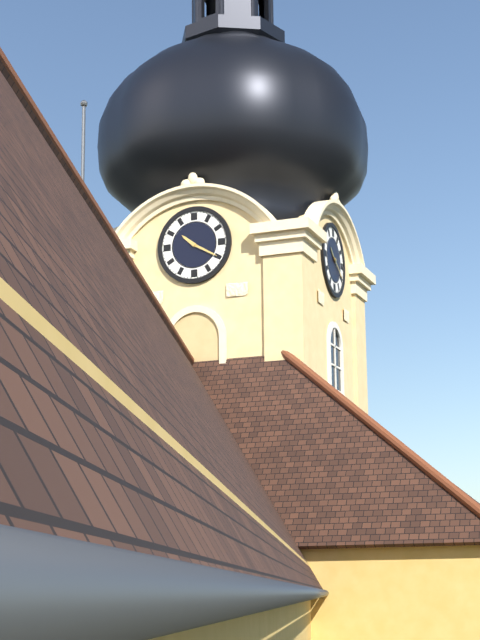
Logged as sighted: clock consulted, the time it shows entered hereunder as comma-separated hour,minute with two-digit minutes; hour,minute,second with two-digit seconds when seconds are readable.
10,20
